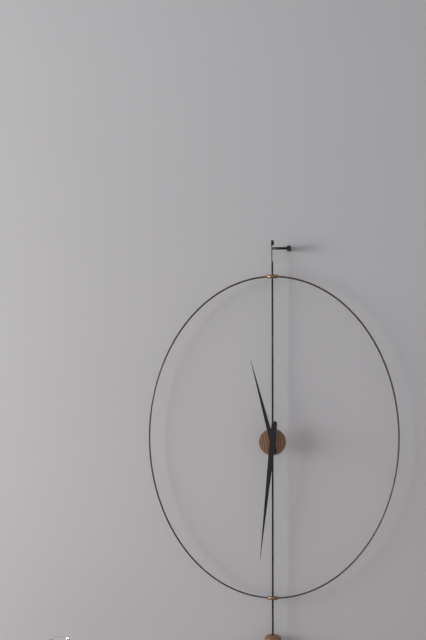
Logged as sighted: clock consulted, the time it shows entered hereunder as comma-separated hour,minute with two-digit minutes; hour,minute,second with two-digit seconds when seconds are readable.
11,31
